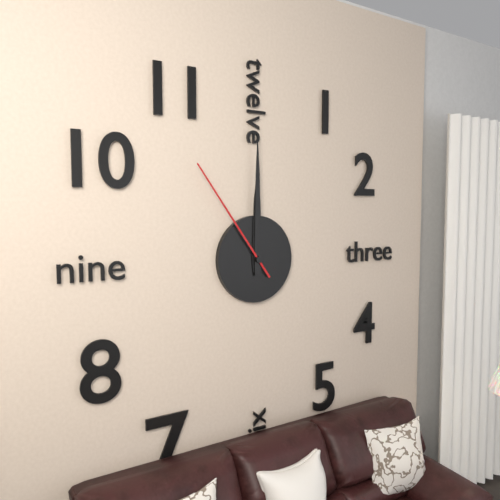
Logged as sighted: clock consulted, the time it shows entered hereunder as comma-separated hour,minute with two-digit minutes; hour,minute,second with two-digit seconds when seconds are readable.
12,00,54
